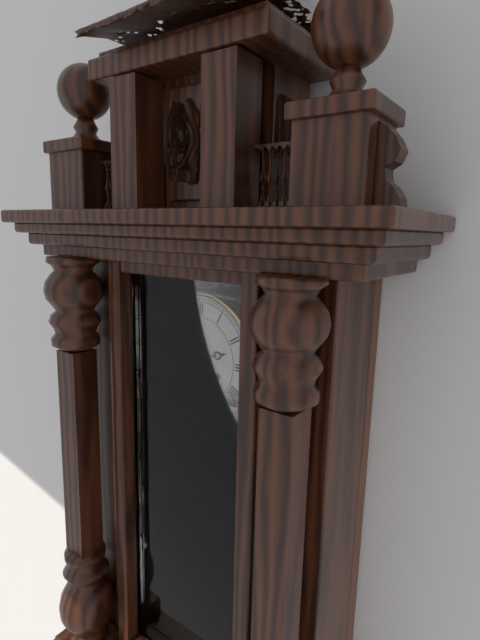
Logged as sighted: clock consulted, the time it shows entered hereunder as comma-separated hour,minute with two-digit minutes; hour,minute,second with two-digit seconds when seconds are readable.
2,25
